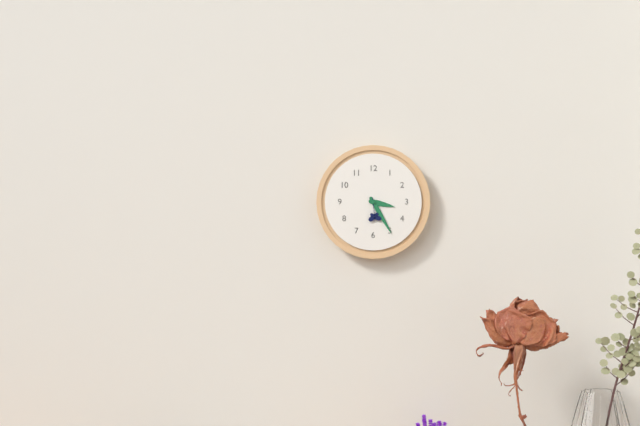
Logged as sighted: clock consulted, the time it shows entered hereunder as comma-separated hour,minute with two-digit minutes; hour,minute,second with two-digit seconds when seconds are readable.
3,25
